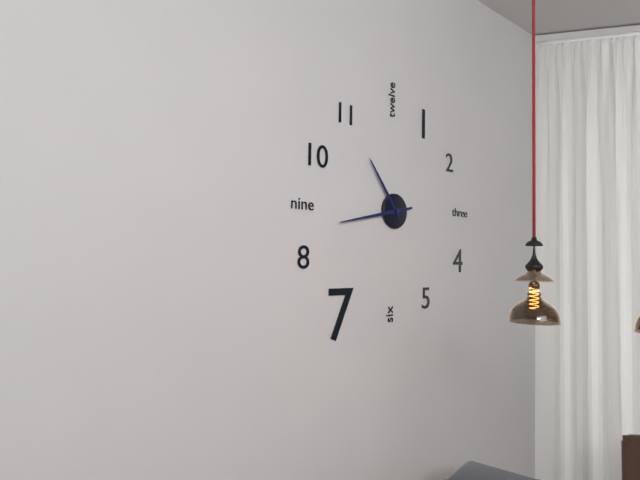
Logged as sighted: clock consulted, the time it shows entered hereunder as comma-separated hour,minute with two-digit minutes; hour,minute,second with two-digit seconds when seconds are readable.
10,43
